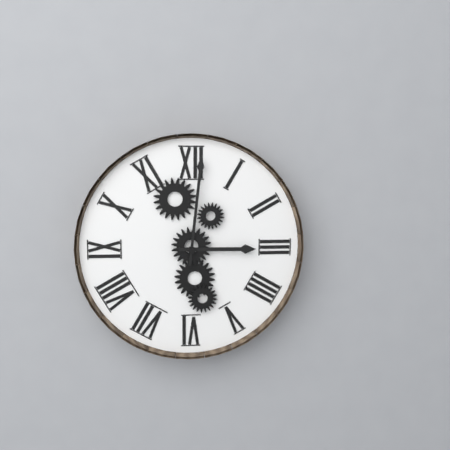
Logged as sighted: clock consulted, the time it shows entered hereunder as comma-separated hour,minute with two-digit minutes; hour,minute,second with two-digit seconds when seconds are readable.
3,01
